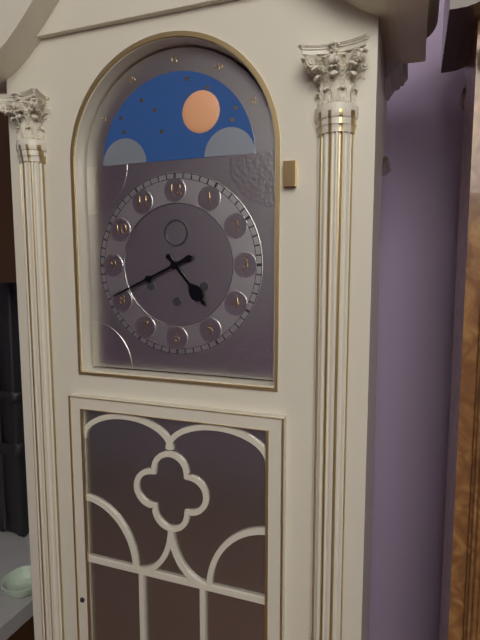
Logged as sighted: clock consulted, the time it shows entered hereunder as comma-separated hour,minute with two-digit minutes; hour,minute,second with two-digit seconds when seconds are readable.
4,41
